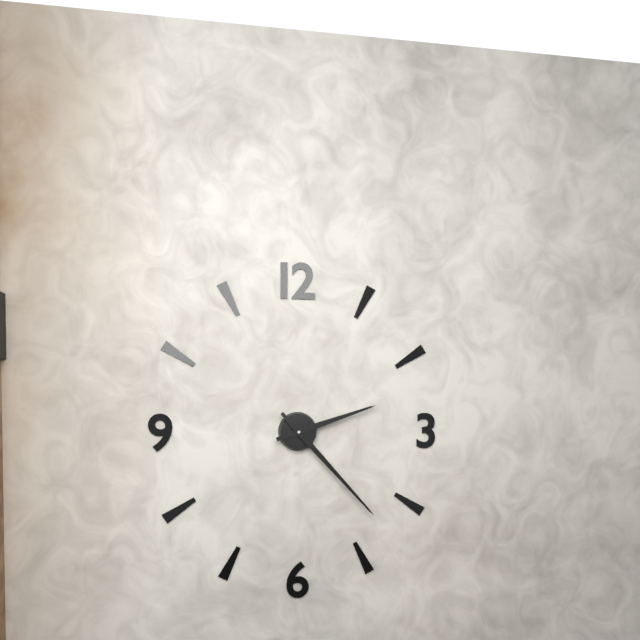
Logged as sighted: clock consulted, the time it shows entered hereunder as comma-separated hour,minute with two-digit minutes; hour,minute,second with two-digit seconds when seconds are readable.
2,23
